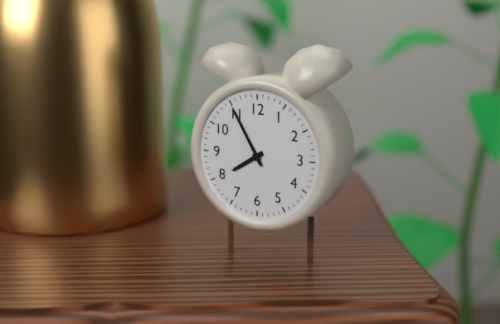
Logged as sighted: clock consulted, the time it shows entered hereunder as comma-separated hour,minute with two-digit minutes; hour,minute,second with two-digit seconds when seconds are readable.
7,55
